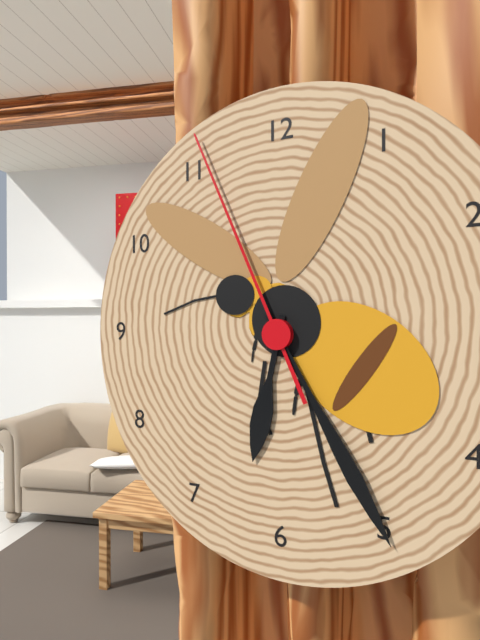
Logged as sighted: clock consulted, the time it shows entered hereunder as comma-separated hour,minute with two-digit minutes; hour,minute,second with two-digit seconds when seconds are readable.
6,25,56
